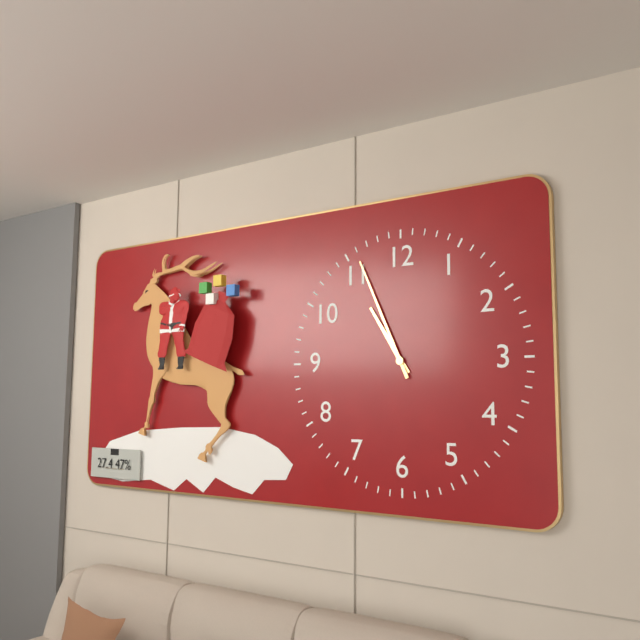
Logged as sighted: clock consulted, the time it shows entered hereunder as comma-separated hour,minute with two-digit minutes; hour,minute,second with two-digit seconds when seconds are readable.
10,56
